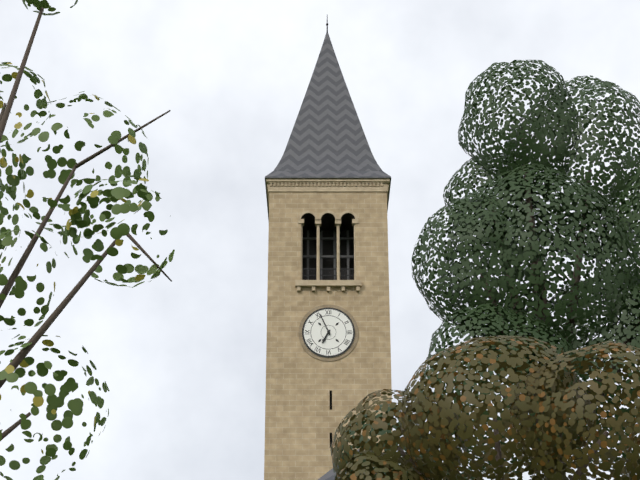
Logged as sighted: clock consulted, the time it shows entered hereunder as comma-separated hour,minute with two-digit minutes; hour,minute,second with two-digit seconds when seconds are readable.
6,56
